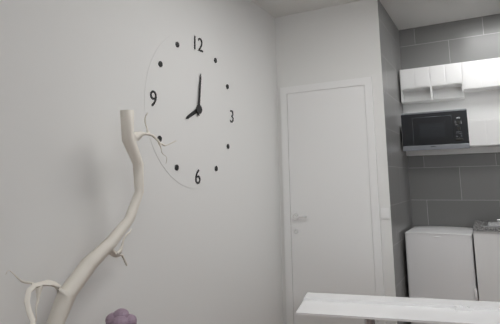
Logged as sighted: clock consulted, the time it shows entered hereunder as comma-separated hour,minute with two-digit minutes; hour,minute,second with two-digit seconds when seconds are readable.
8,01
